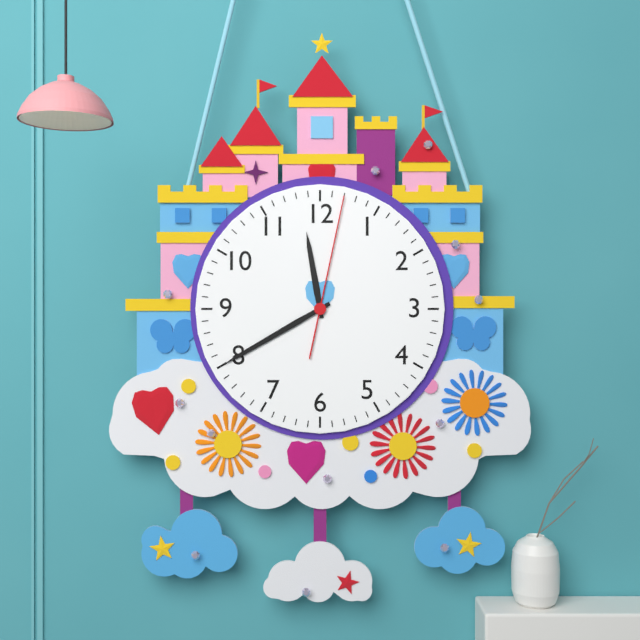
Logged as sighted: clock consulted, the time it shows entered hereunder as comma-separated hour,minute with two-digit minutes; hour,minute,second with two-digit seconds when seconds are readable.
11,40,02
